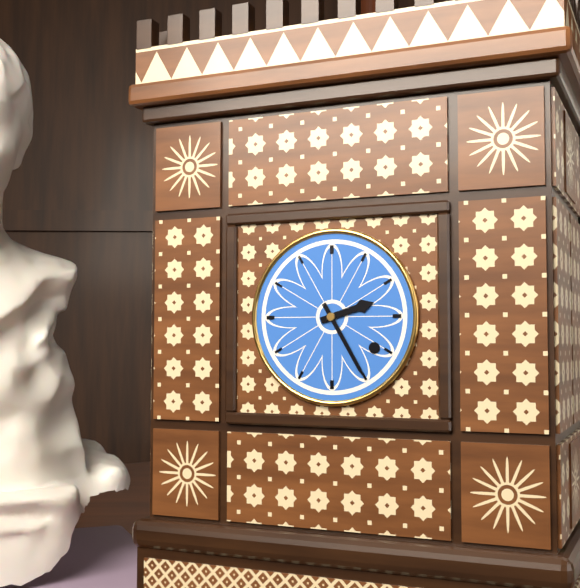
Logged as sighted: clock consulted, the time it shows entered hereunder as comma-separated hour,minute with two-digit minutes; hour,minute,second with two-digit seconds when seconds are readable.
2,25
